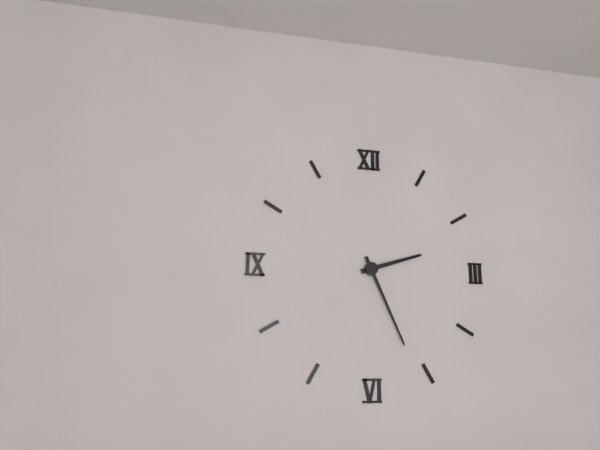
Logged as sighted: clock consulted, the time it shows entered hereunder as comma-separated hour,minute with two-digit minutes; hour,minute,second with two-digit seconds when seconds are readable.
2,26
